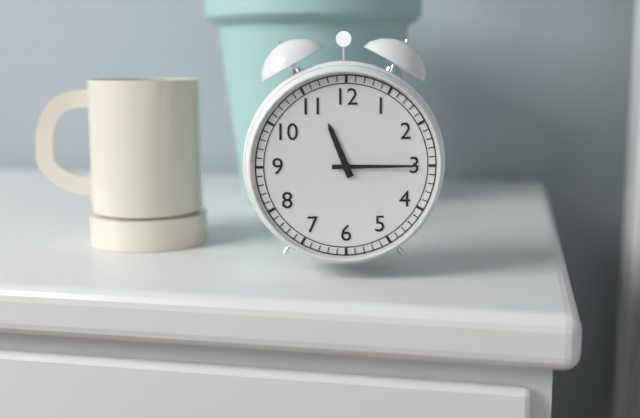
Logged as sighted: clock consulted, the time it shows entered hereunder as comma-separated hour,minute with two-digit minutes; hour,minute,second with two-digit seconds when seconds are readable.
11,15
